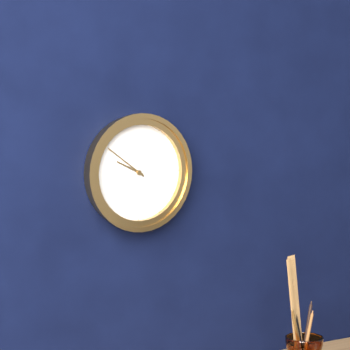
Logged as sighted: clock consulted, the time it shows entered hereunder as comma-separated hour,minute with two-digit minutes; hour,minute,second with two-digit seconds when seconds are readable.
9,51
